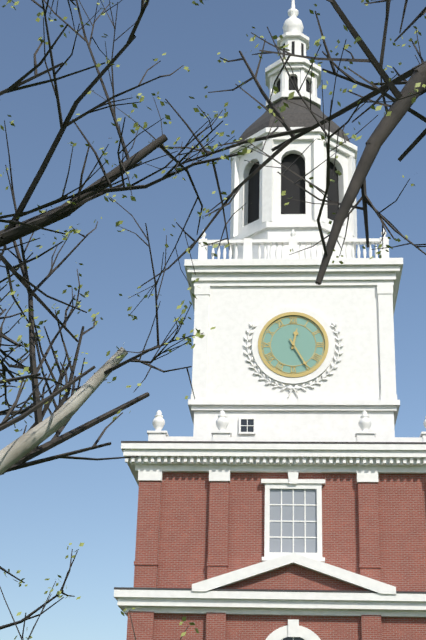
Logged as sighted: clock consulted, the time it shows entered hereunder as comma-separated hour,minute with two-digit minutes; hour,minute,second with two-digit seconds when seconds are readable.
12,25
